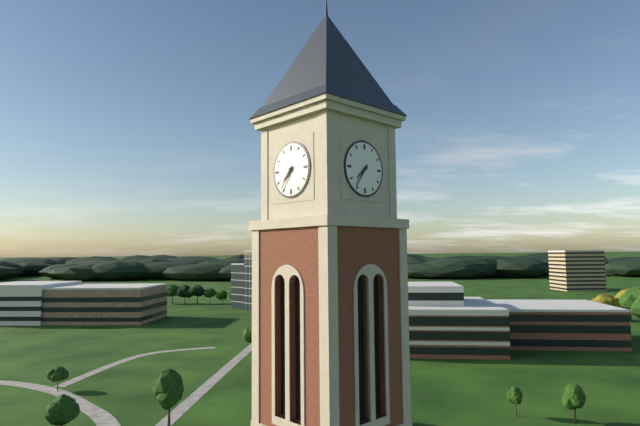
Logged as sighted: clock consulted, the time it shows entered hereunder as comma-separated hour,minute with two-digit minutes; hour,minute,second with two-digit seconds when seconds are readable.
7,36
